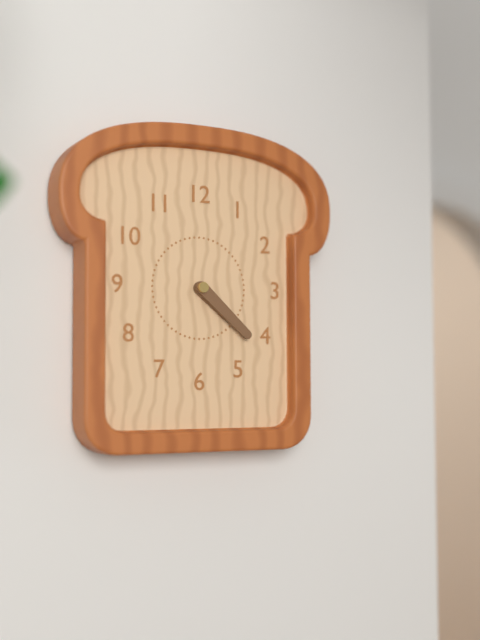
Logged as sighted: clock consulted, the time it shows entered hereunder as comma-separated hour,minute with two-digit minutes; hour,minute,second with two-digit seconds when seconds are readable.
4,22
